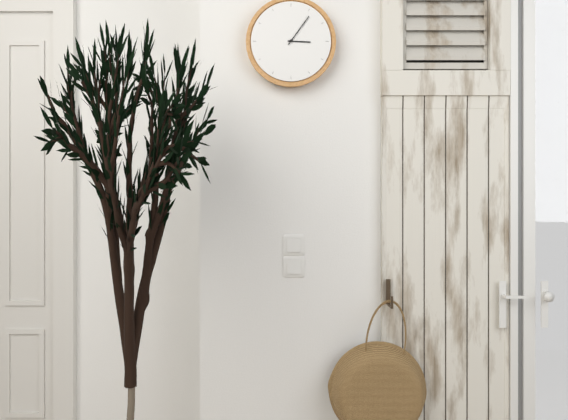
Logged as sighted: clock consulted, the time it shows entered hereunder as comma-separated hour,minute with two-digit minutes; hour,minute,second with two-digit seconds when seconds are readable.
3,06
